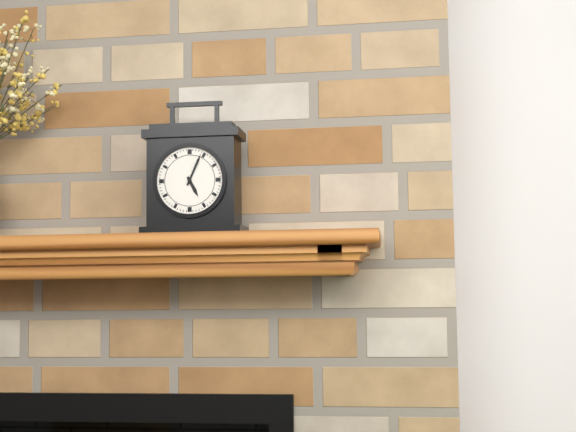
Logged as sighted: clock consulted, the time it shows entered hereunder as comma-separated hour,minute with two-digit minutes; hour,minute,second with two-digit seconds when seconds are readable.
5,04
